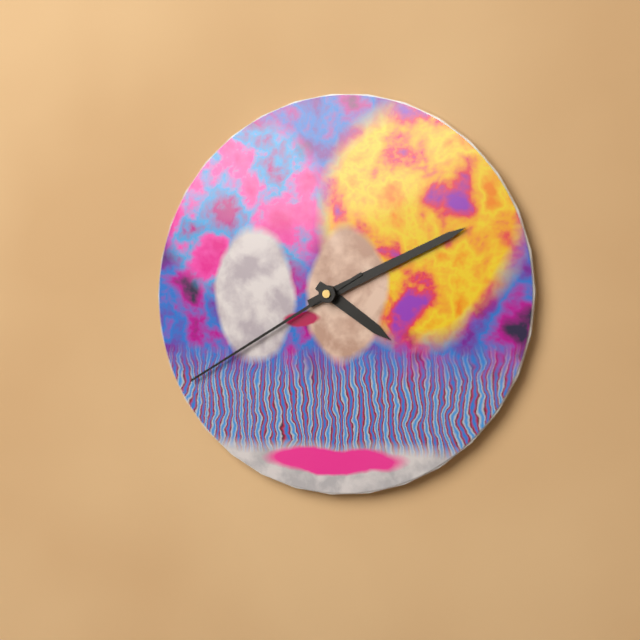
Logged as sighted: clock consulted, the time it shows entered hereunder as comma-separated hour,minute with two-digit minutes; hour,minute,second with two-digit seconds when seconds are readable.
4,11,40
